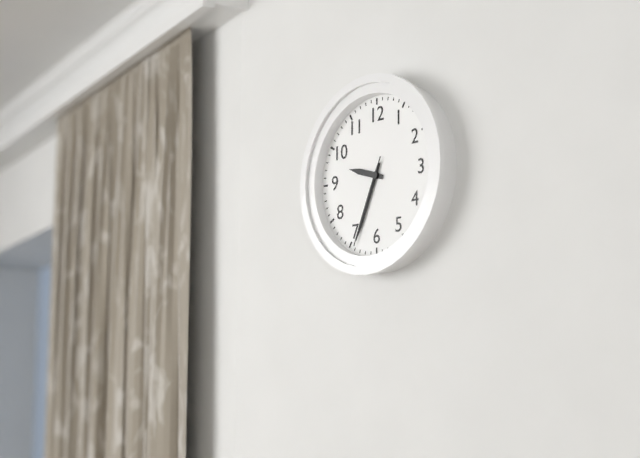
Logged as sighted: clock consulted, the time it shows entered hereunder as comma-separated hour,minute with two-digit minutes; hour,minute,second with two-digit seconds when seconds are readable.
9,34,34
